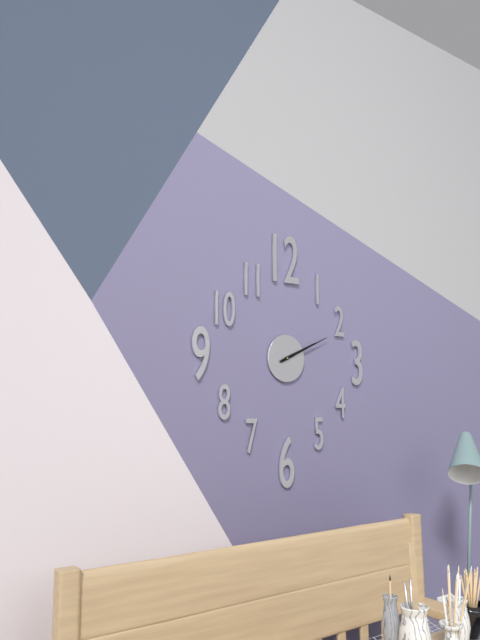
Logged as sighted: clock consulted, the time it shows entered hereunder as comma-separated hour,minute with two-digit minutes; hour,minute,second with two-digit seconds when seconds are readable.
2,11
